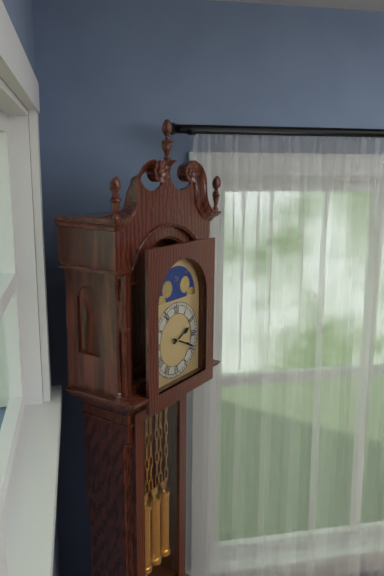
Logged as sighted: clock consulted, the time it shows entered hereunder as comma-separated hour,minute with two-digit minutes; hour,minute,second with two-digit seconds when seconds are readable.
2,19
